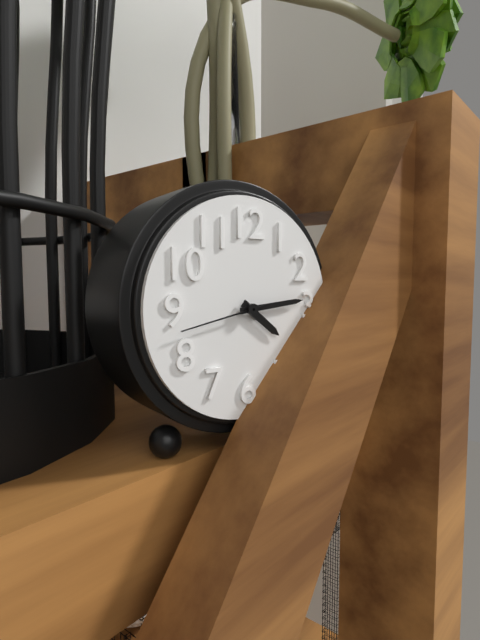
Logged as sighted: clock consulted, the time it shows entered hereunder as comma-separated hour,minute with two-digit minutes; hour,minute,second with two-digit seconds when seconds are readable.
4,14,43
